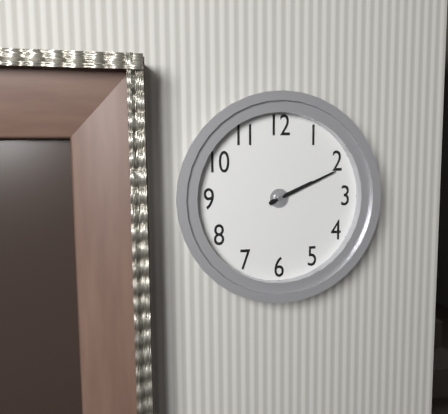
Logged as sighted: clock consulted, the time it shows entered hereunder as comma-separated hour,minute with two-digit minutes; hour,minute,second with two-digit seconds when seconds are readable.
2,11
